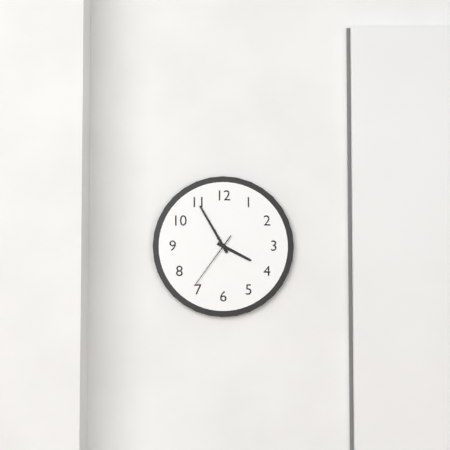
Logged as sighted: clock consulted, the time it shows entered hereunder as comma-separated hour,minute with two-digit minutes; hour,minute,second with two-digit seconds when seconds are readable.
3,55,36
